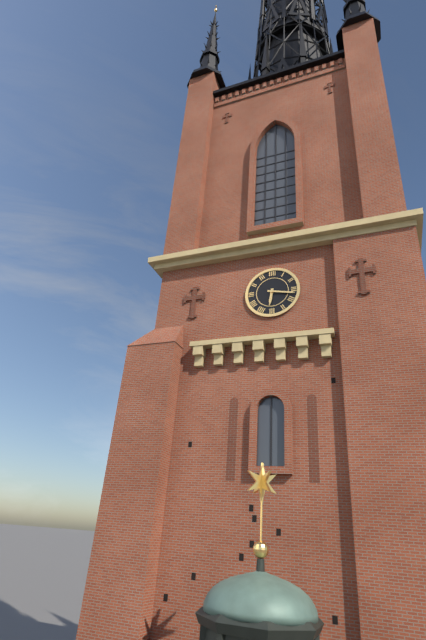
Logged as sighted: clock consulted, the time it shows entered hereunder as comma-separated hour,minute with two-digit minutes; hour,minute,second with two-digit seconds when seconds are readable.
6,17
